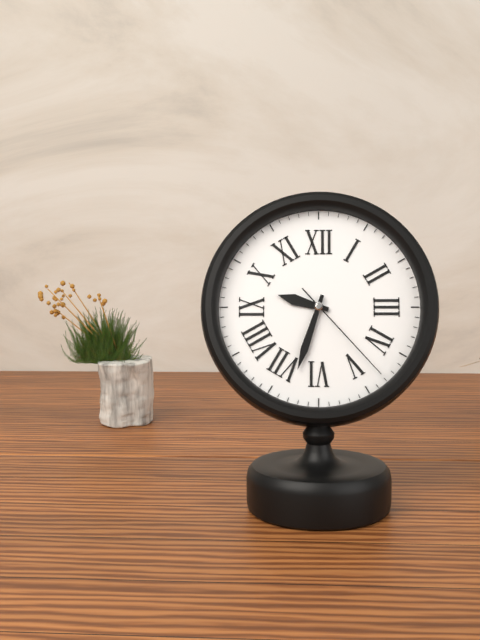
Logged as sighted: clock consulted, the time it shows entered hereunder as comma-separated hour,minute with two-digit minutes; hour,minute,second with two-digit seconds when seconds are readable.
9,33,23
